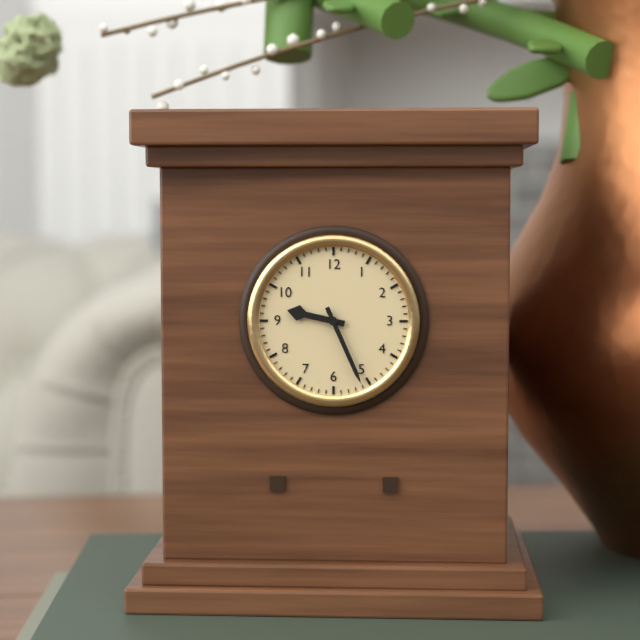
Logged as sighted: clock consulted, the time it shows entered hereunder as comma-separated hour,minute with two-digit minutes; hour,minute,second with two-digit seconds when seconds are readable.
9,26
